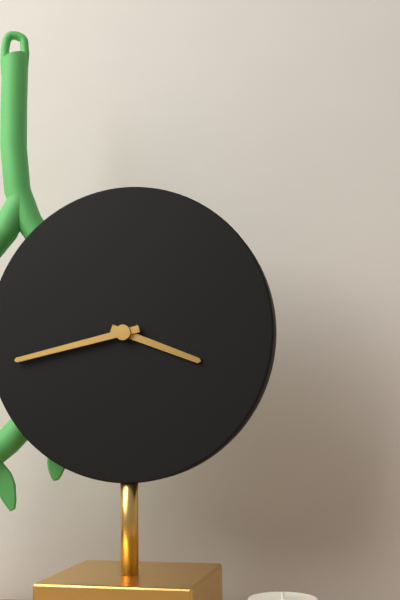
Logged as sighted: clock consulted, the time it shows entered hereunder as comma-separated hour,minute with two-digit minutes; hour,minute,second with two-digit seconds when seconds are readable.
3,43
